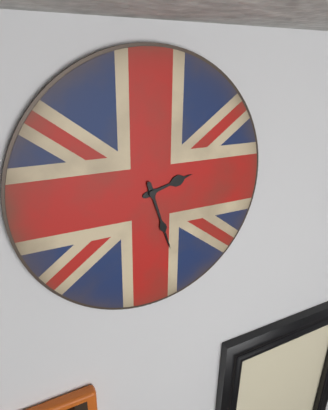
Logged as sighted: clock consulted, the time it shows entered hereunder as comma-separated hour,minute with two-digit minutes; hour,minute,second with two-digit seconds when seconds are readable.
2,27
